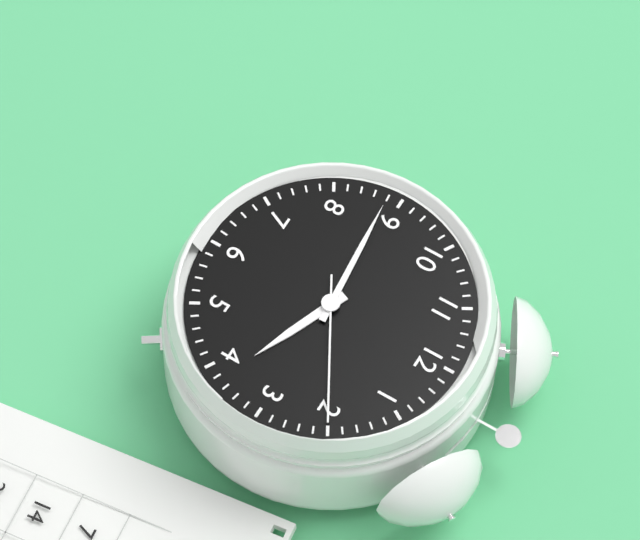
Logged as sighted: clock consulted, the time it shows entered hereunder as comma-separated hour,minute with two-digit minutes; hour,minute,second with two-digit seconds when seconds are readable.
3,44,10
